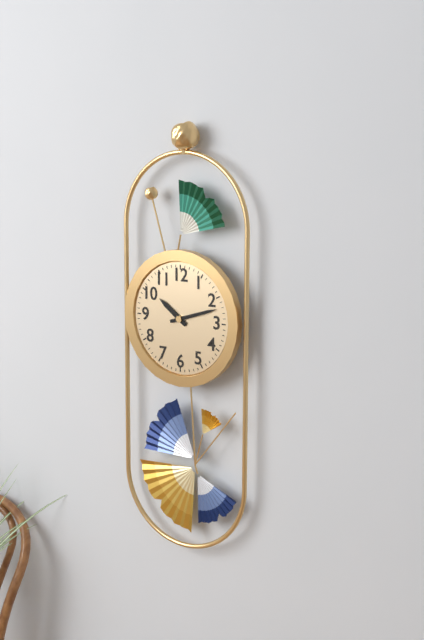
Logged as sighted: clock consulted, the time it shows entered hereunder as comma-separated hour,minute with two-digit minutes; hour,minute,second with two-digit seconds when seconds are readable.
10,12
